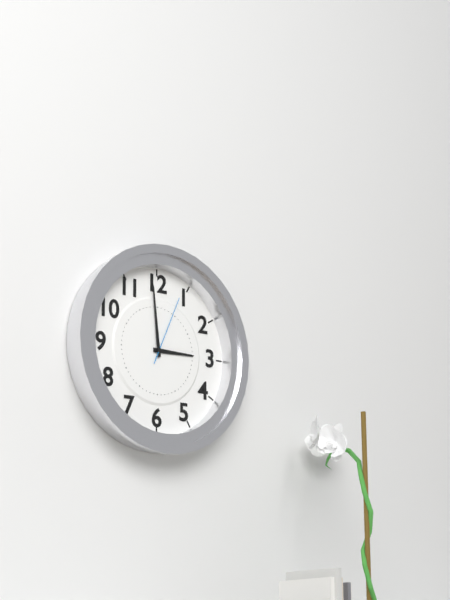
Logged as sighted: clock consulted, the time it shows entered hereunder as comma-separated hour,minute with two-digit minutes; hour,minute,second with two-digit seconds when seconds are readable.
2,59,04
